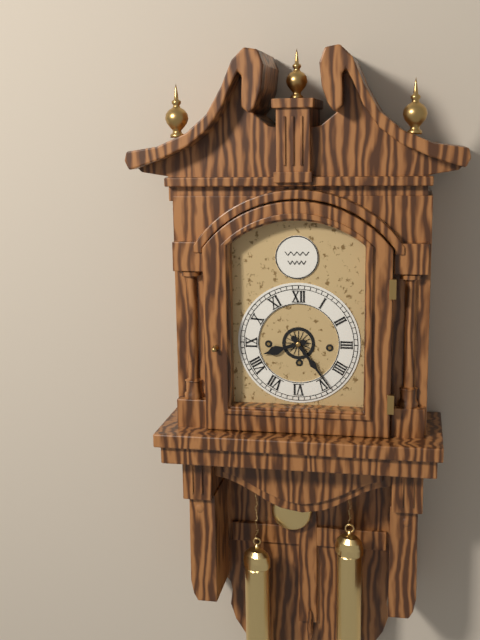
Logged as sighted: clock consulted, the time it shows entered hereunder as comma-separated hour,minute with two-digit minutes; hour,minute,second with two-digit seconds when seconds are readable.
8,24
